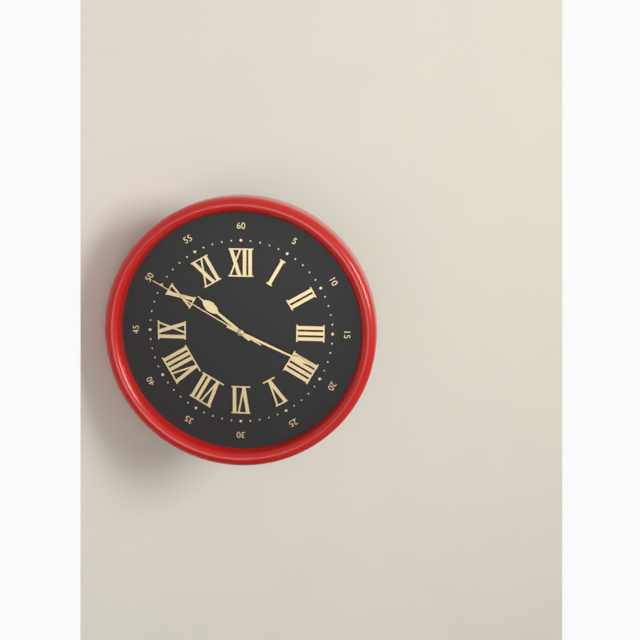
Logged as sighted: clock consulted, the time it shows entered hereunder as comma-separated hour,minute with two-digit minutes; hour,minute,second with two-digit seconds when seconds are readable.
10,19,50
